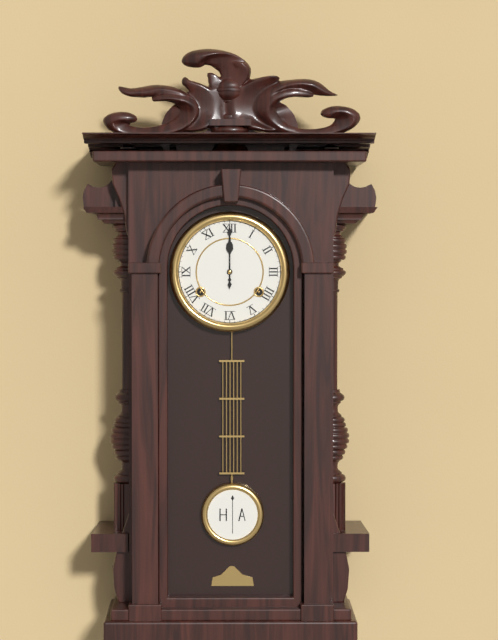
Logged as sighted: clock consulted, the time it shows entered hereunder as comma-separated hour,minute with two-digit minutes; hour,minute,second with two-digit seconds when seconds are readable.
12,00
